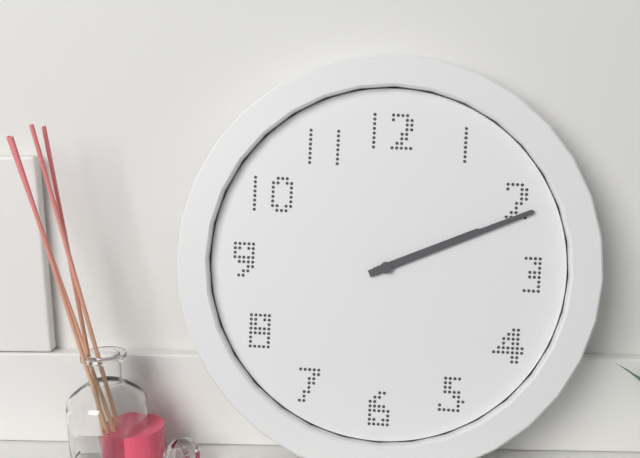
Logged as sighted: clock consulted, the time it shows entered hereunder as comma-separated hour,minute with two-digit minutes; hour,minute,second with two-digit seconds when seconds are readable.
2,11
